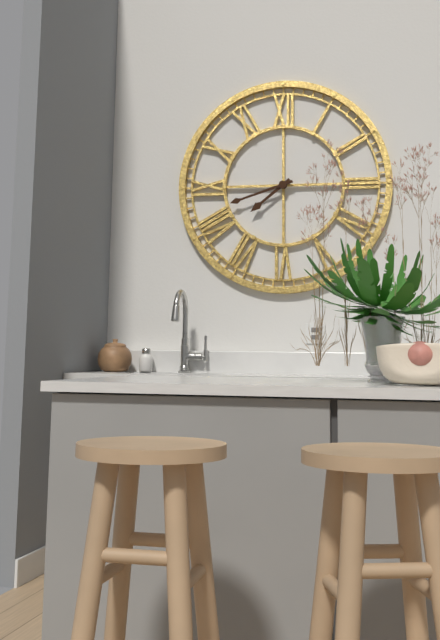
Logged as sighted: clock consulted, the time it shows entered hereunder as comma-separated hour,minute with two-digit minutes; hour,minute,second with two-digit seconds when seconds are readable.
7,42
